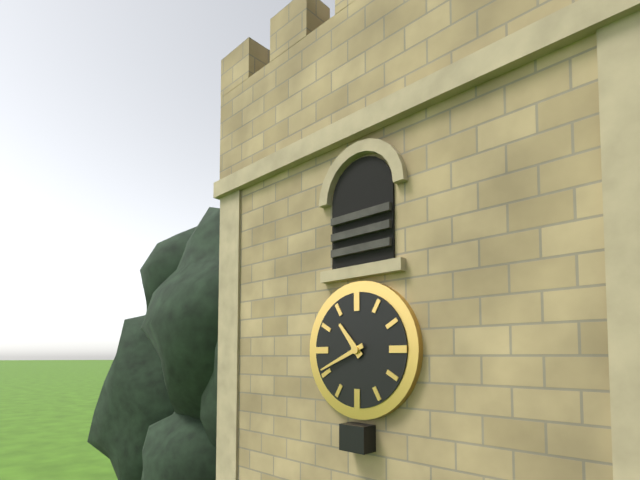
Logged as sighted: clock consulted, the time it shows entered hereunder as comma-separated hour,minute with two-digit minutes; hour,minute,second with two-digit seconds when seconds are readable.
10,41
